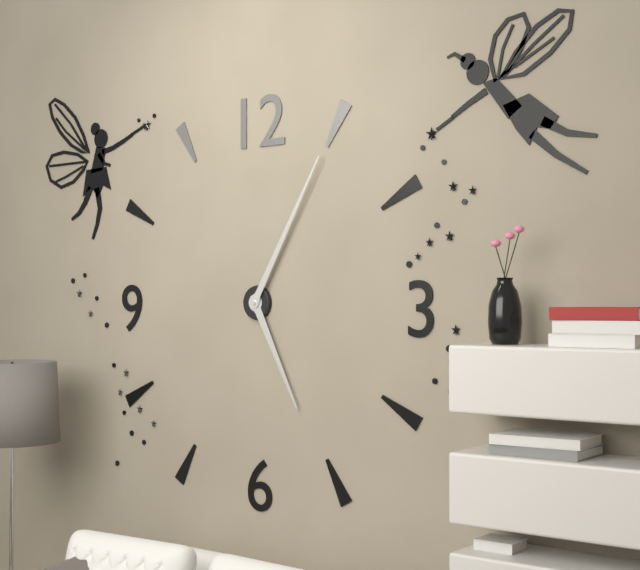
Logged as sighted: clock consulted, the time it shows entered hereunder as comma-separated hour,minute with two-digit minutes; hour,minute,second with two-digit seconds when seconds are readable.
5,05
